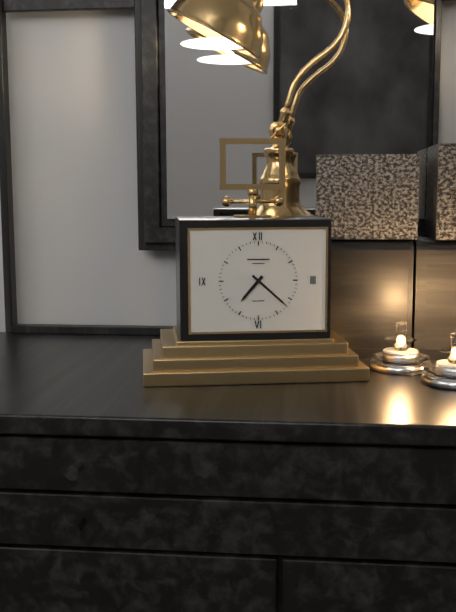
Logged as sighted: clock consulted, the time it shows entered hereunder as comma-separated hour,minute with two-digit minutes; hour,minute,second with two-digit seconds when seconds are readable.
7,22
